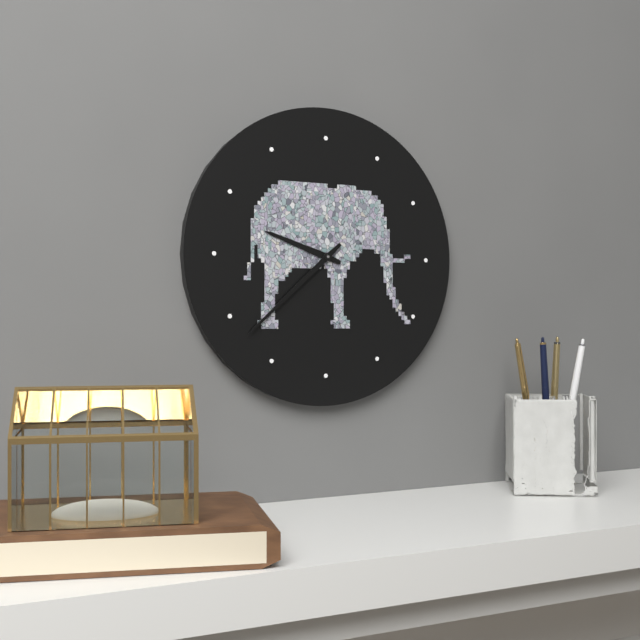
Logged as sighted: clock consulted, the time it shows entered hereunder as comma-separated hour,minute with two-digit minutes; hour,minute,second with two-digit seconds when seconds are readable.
9,38
